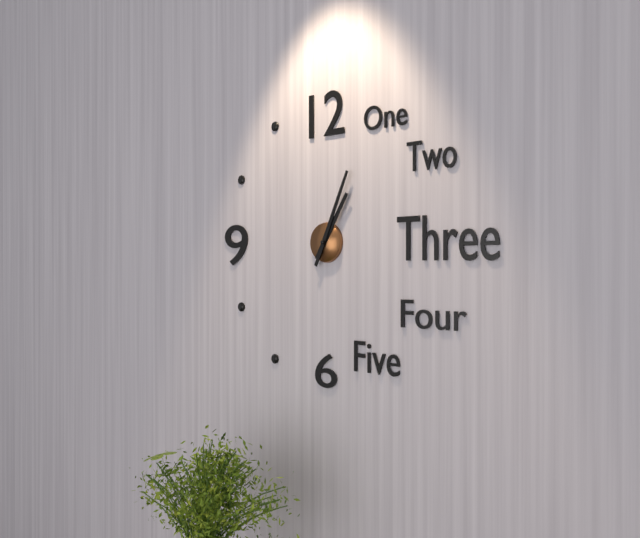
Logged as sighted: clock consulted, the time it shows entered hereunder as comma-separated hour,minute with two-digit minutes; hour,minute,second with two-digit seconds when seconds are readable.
1,04
